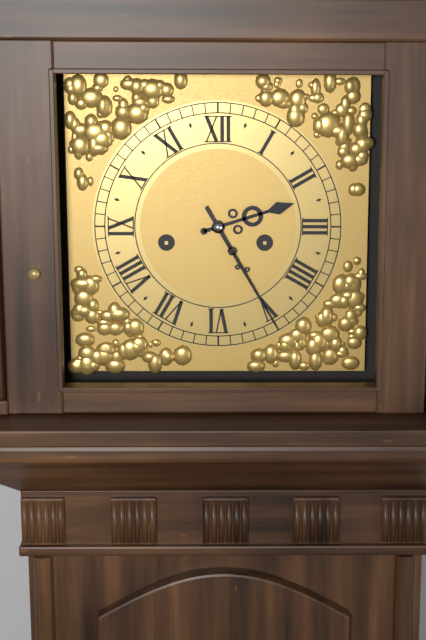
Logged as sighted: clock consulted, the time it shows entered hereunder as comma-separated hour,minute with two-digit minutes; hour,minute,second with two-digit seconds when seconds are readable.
2,25
